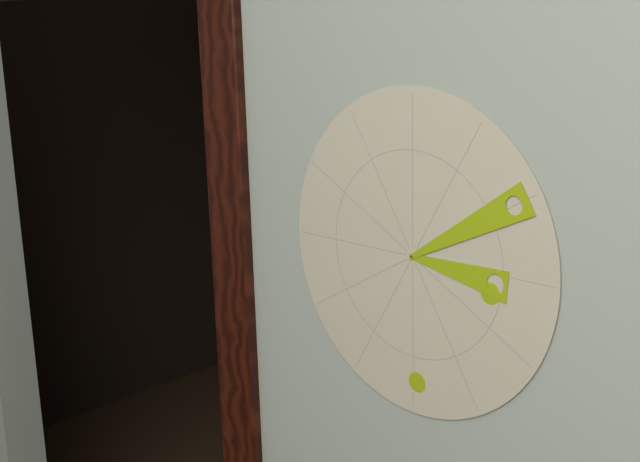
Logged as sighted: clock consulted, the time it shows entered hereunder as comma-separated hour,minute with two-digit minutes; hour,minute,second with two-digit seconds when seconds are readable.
3,10
